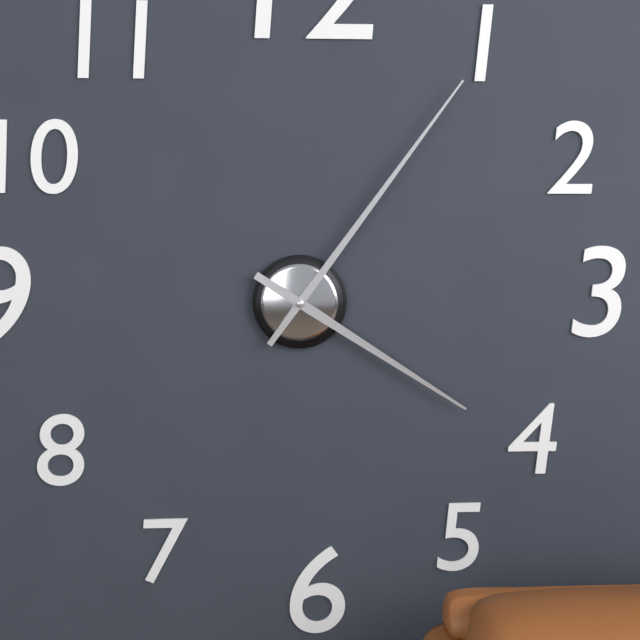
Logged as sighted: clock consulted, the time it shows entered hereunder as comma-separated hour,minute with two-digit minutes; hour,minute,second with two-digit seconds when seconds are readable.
4,06
